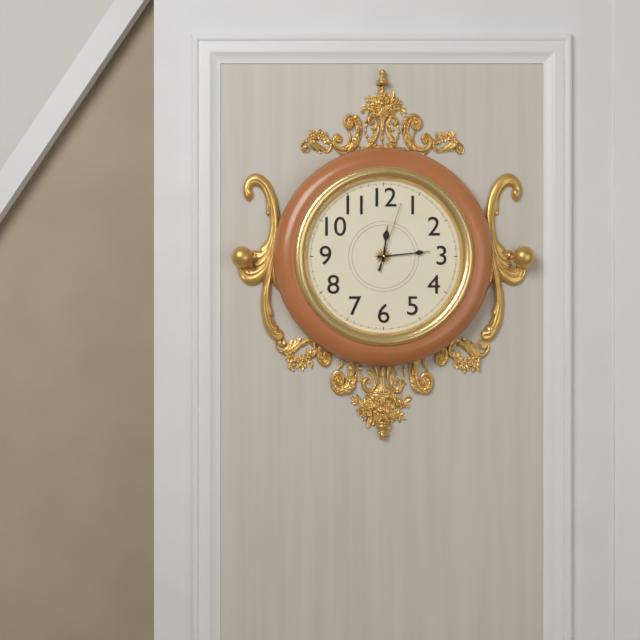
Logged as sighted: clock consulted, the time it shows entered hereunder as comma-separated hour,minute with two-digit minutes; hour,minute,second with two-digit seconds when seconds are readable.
12,14,03
